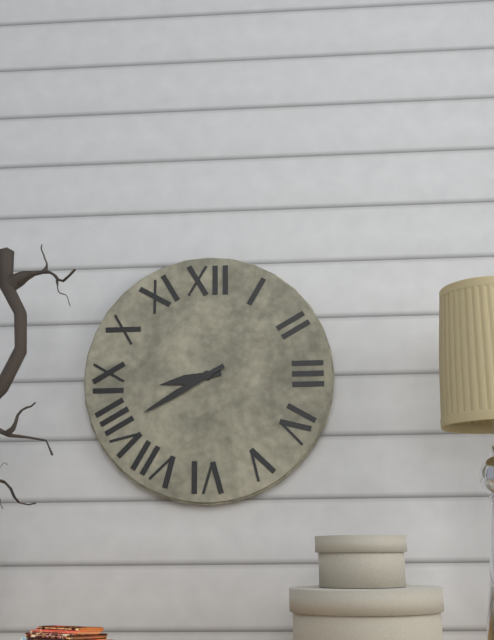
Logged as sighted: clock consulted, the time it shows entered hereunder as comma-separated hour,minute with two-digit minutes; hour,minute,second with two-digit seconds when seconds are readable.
8,40
